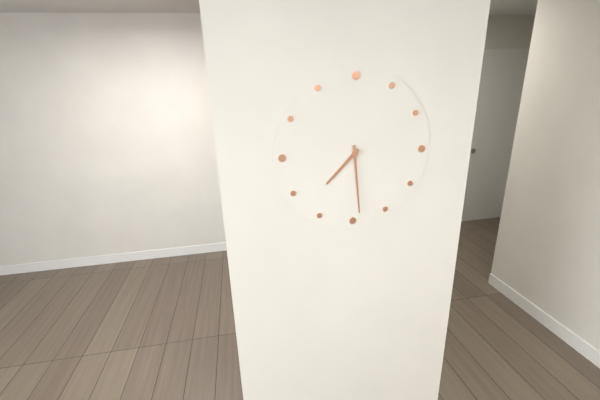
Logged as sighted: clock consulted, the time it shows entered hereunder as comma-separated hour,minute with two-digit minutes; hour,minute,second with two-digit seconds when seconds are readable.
7,29
